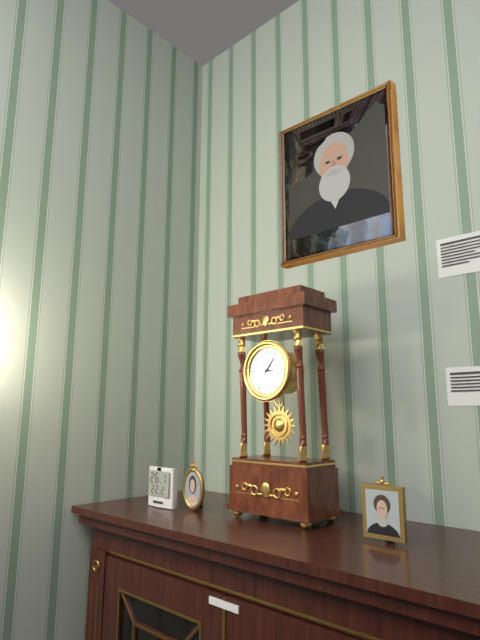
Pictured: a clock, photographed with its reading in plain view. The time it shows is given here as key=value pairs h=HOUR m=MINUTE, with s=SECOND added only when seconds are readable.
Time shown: h=3 m=6
